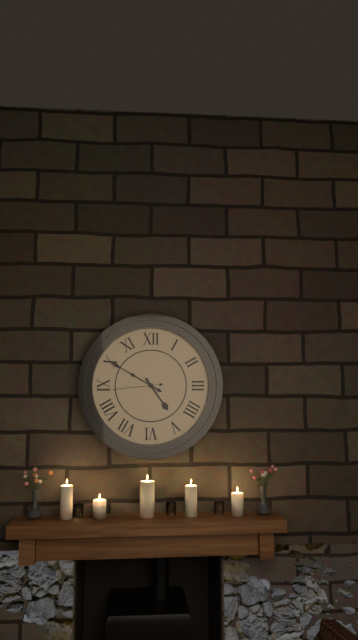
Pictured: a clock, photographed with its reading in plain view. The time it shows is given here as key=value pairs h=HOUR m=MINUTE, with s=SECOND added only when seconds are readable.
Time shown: h=4 m=50 s=44
